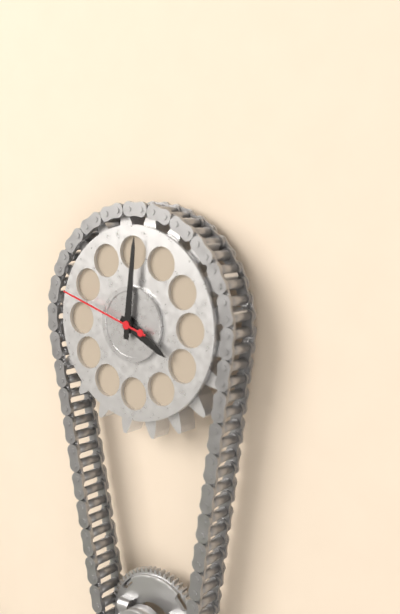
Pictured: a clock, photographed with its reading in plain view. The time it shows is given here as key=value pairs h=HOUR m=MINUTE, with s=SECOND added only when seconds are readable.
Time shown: h=4 m=1 s=48
